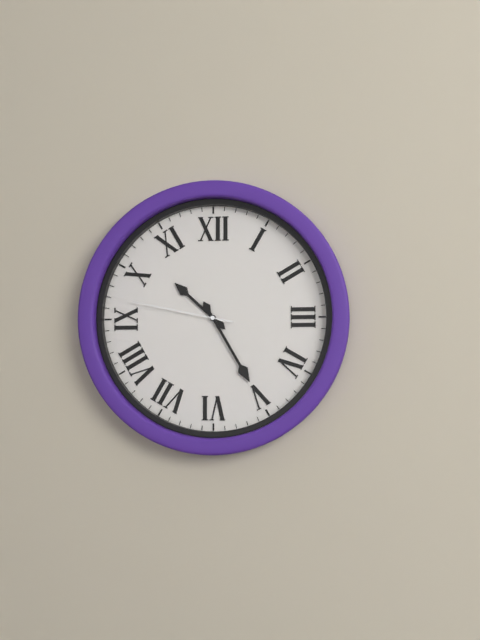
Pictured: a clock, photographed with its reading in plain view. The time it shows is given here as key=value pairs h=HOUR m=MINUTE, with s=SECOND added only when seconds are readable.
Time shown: h=10 m=25 s=47
